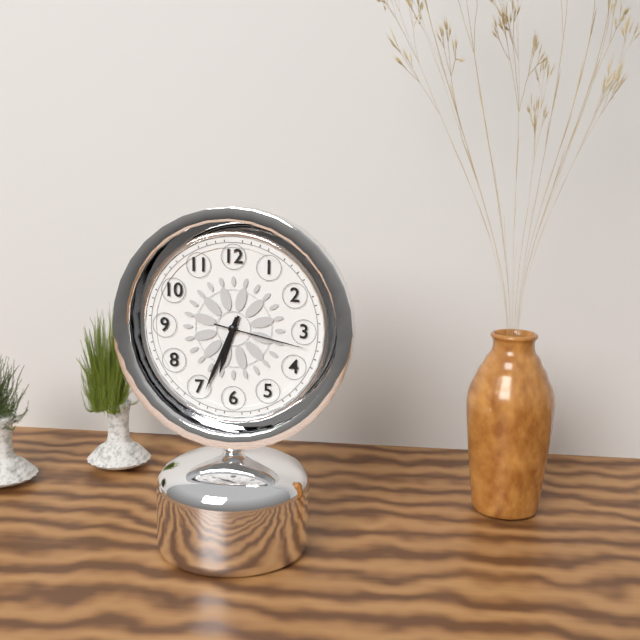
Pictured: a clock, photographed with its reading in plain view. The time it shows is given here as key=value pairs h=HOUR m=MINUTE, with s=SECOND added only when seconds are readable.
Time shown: h=6 m=34 s=17
